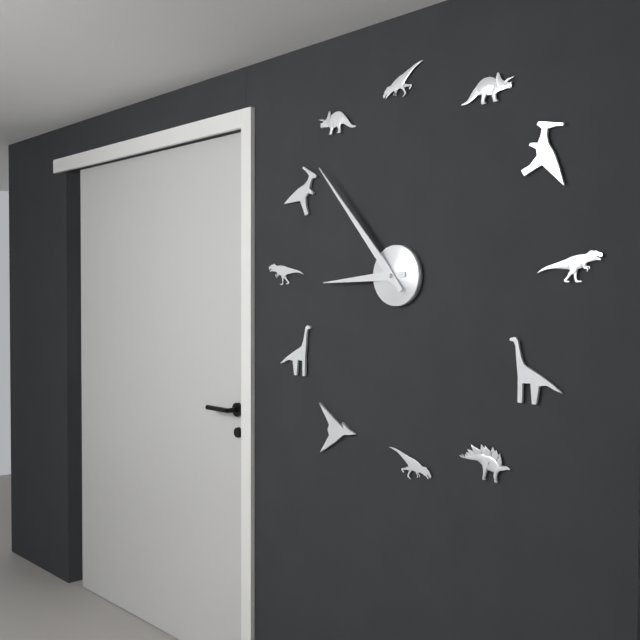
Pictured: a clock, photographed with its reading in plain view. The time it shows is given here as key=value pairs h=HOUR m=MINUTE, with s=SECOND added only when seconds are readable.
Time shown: h=8 m=53
